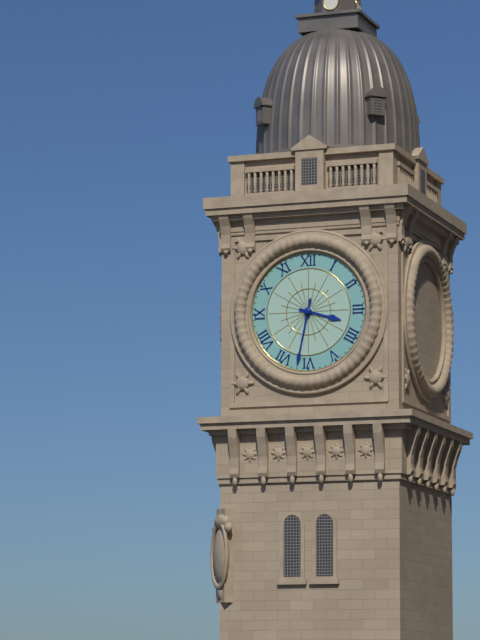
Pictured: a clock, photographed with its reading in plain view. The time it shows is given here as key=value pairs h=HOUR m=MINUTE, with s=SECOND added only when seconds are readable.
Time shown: h=3 m=32
